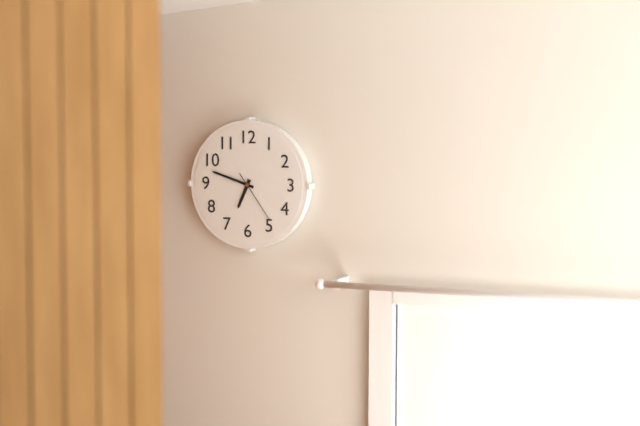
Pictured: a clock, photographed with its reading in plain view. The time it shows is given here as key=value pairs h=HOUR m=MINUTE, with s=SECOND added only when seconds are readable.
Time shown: h=6 m=48 s=24
